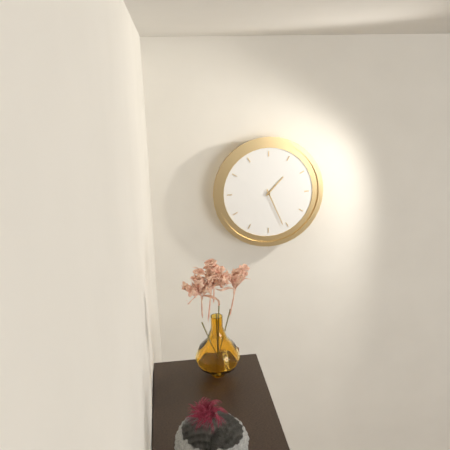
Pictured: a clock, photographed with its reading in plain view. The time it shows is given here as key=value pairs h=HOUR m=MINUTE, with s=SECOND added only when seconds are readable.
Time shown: h=1 m=26
